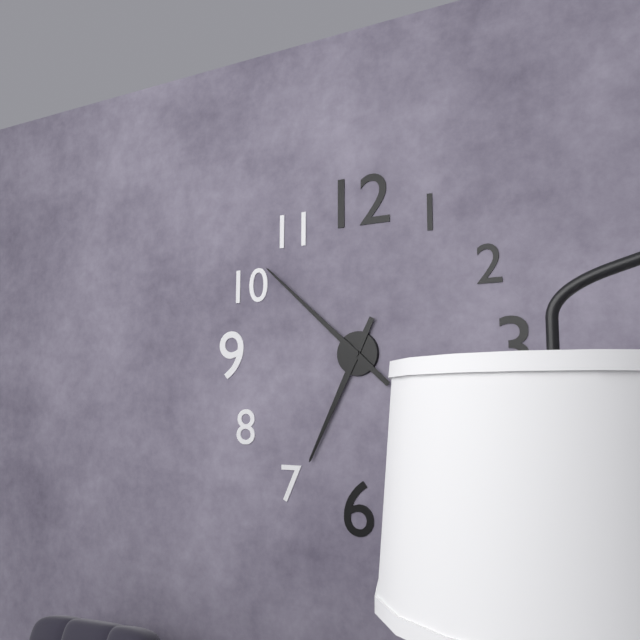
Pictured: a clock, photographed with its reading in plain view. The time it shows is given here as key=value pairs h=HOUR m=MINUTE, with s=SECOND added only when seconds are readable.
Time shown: h=6 m=52
